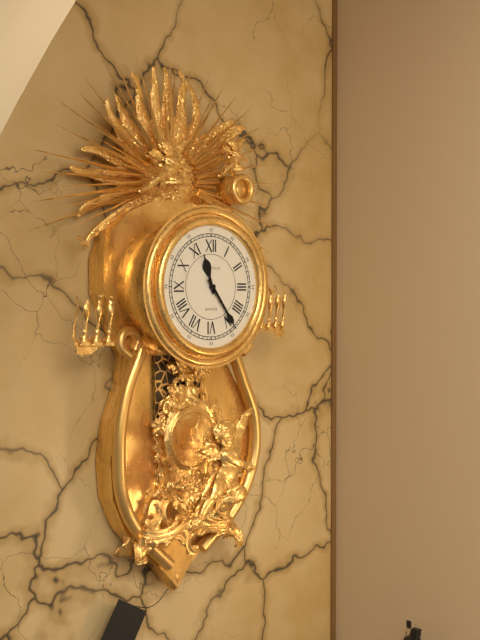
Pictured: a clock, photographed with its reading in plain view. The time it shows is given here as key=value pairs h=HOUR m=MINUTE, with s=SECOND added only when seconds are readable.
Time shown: h=11 m=24
